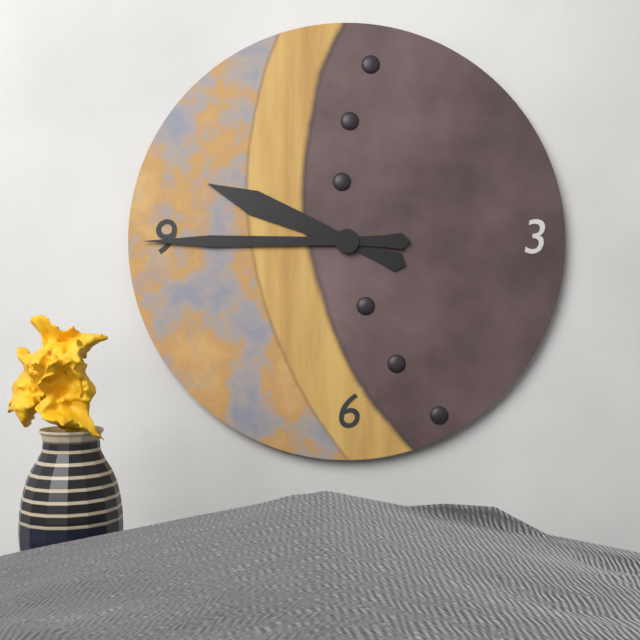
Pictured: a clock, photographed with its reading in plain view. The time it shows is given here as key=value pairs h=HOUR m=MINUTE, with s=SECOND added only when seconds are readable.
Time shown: h=9 m=45
